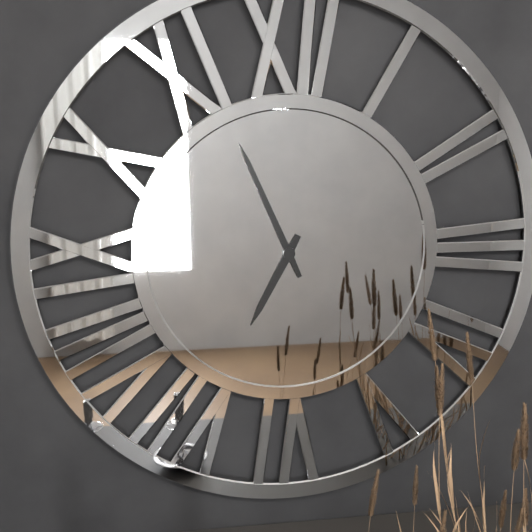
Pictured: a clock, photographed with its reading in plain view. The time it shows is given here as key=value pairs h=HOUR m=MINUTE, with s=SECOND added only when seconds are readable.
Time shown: h=6 m=56
